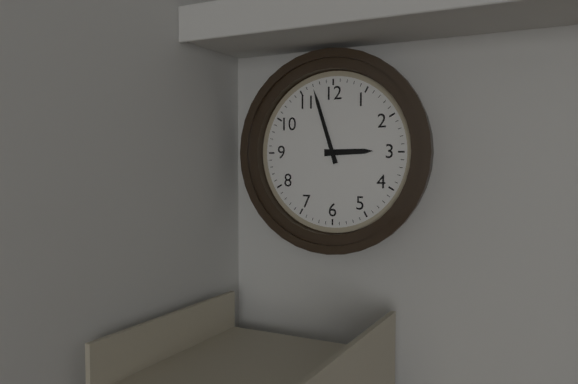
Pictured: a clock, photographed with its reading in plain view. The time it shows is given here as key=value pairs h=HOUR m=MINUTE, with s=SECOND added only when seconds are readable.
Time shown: h=2 m=57
